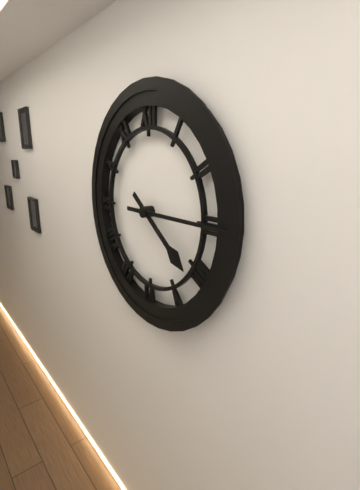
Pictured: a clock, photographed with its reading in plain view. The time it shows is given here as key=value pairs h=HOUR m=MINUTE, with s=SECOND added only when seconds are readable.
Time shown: h=4 m=15
